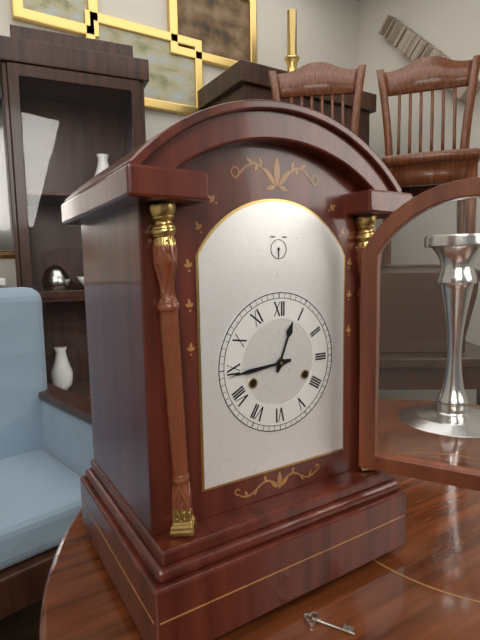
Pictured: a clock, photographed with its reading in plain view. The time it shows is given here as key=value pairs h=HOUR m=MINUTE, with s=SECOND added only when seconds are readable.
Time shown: h=12 m=44
